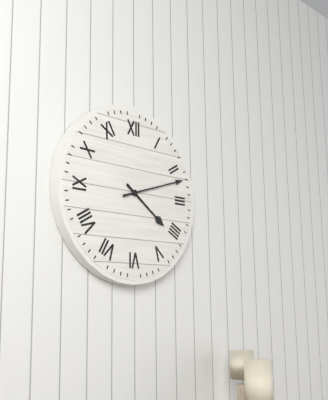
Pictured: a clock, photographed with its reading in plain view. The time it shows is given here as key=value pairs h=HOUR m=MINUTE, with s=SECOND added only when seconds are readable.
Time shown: h=4 m=12
